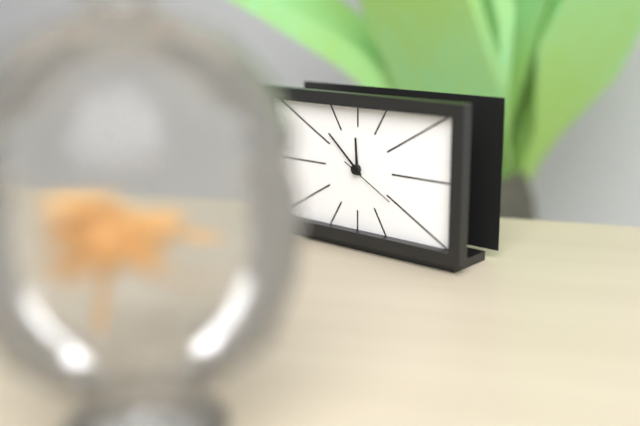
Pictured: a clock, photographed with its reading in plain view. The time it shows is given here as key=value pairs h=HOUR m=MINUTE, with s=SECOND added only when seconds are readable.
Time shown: h=11 m=52 s=20
